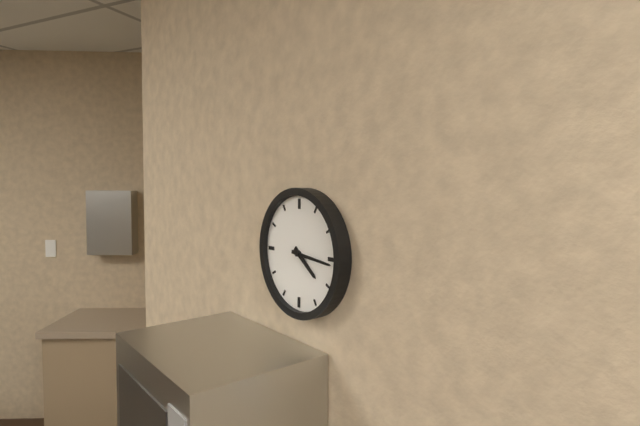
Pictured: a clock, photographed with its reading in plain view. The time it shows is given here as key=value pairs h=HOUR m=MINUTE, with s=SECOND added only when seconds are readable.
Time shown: h=4 m=16
